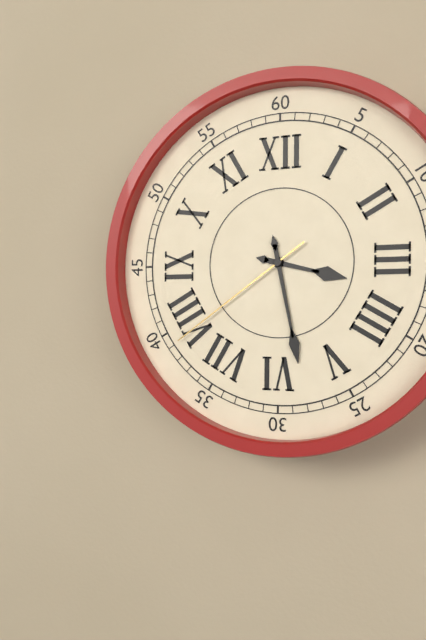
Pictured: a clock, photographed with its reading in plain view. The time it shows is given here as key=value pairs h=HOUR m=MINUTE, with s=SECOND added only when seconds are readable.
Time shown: h=3 m=28 s=39
